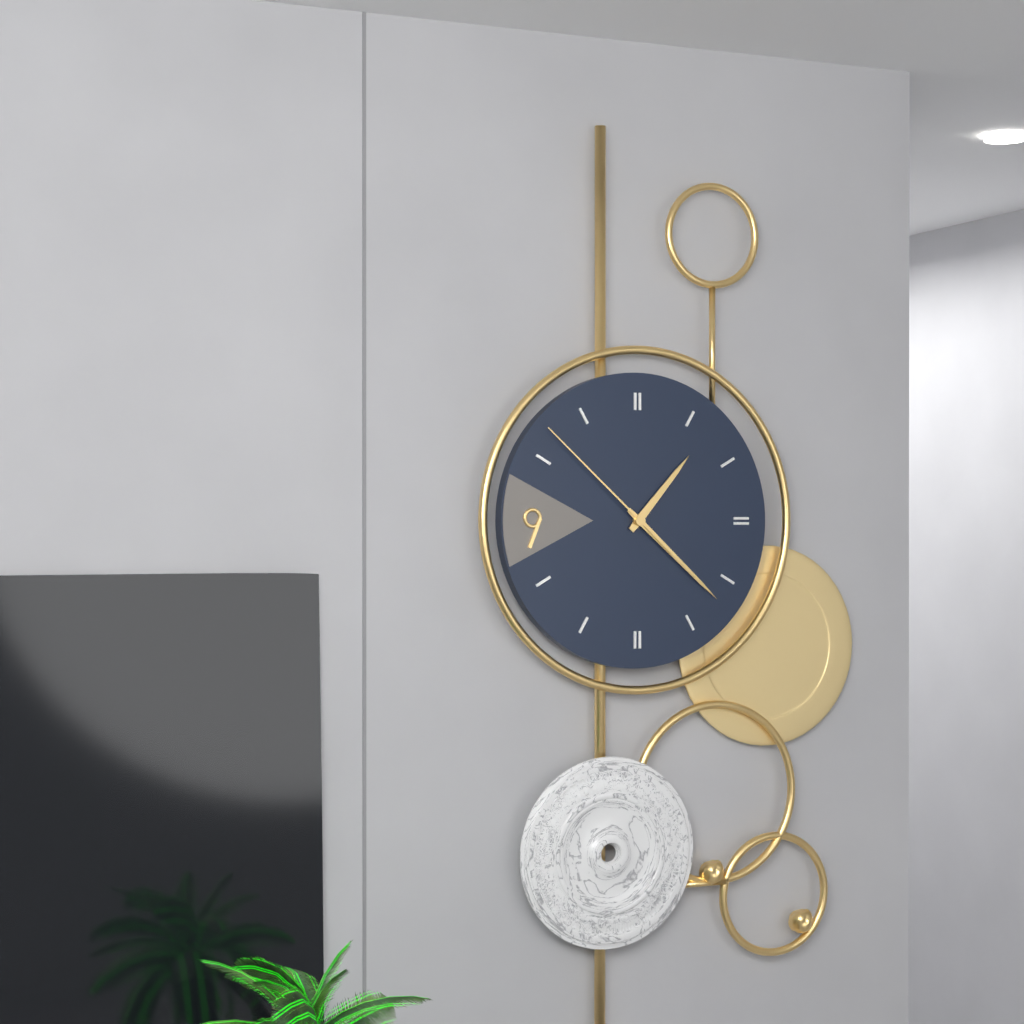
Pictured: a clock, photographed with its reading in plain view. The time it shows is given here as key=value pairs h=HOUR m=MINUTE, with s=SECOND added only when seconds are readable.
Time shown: h=1 m=22 s=52
